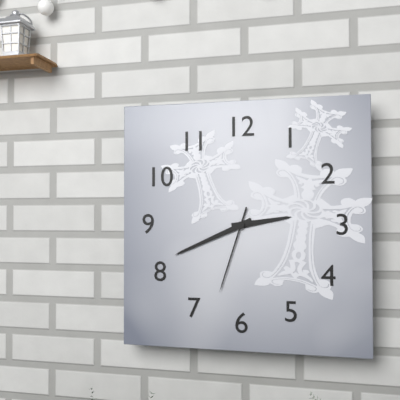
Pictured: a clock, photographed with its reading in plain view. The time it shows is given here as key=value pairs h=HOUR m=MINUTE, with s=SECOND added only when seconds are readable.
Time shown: h=2 m=41 s=33
